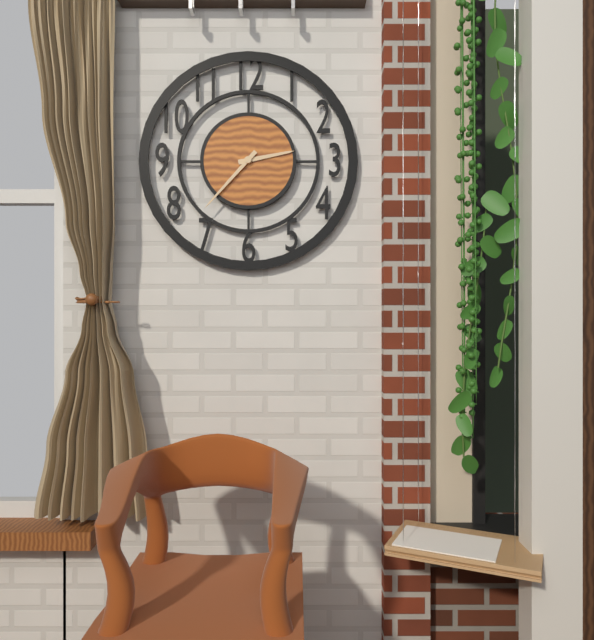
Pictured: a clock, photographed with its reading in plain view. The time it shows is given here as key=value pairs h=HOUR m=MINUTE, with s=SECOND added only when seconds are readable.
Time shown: h=2 m=37
